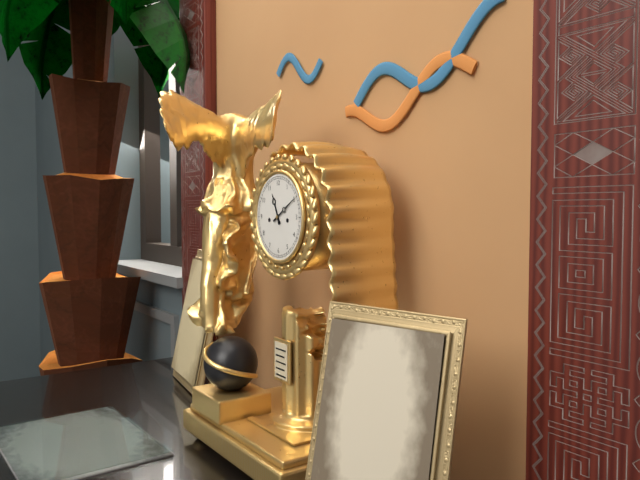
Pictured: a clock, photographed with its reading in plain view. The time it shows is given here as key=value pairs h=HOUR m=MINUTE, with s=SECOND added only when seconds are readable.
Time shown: h=11 m=10
